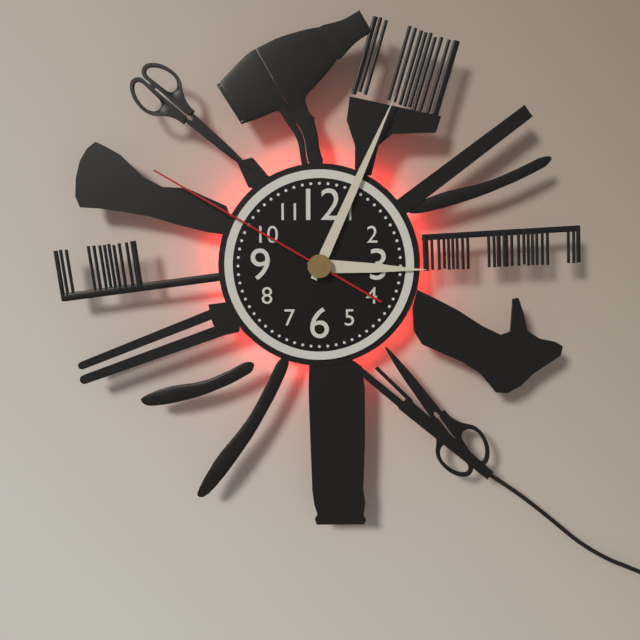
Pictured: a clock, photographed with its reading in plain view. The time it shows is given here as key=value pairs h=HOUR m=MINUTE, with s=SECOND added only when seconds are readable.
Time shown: h=3 m=4 s=50
